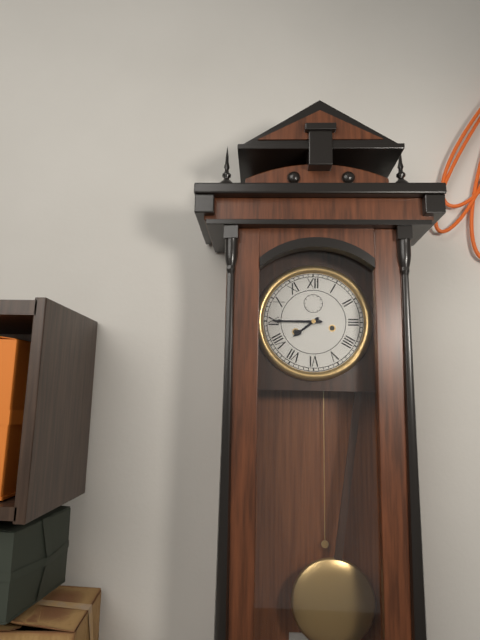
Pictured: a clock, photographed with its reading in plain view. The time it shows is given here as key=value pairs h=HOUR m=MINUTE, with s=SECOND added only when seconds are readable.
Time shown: h=7 m=45
